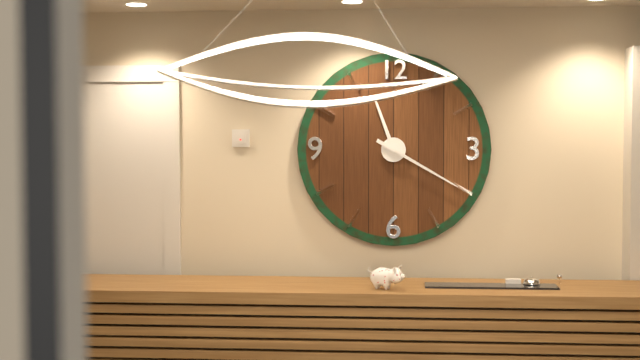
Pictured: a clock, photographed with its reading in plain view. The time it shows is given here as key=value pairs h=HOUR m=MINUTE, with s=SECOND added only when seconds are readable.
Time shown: h=11 m=20
